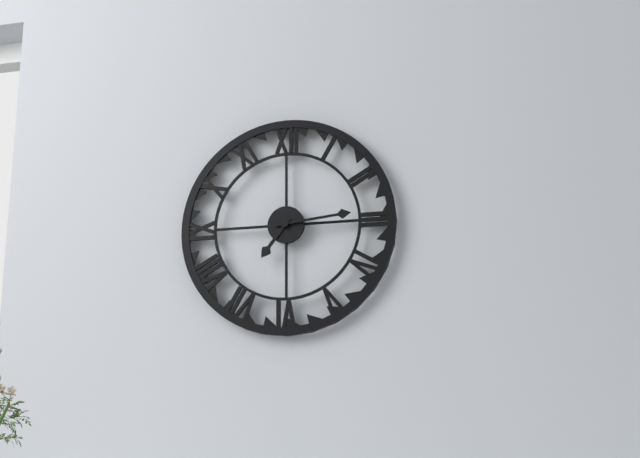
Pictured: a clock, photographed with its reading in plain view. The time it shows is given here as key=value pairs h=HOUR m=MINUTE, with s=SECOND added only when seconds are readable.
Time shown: h=7 m=14
